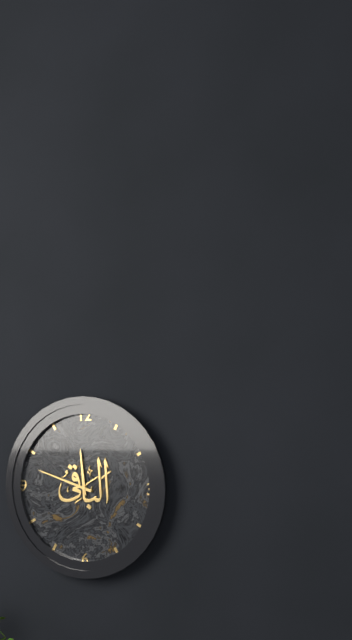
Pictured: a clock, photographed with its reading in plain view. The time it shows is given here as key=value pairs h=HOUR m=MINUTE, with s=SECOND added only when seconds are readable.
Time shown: h=11 m=48
